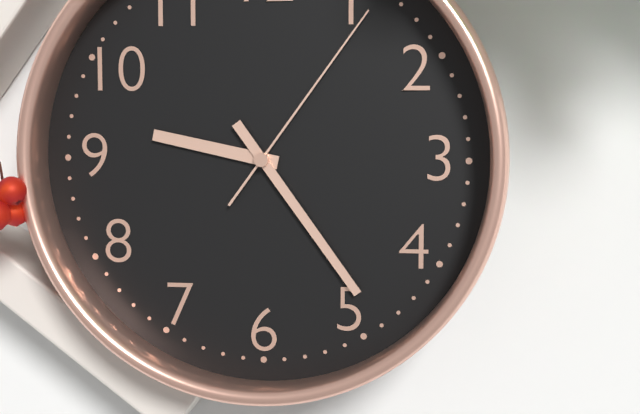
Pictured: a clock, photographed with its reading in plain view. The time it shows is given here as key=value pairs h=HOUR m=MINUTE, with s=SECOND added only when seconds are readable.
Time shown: h=9 m=24 s=6
